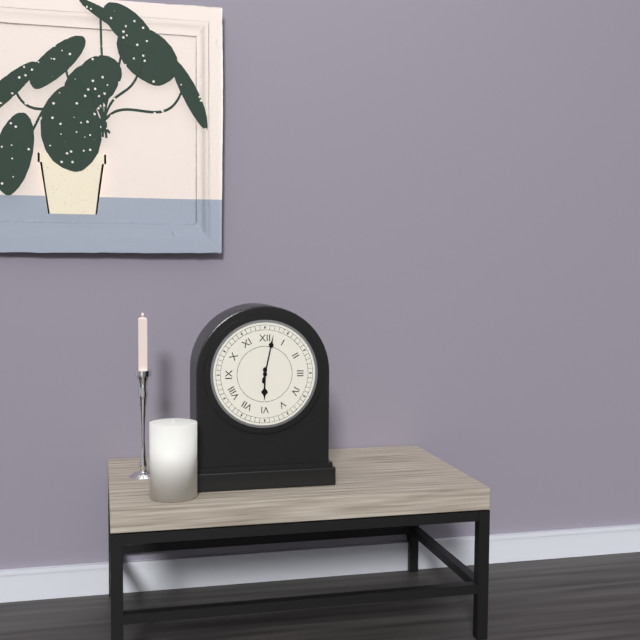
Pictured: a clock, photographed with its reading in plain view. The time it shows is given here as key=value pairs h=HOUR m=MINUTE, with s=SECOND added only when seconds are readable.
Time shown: h=6 m=2
